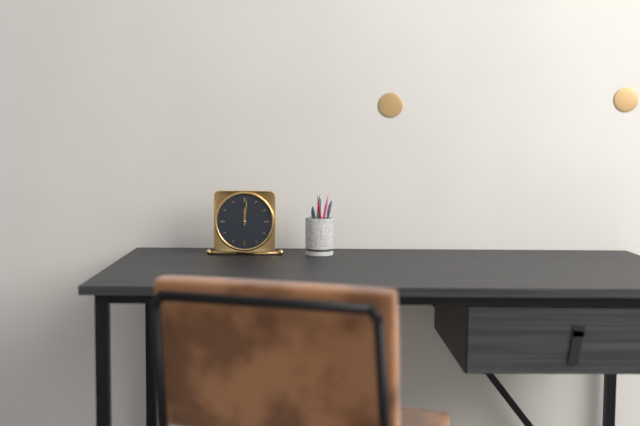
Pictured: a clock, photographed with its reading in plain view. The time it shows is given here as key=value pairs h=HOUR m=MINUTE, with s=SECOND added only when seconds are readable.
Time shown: h=12 m=1
